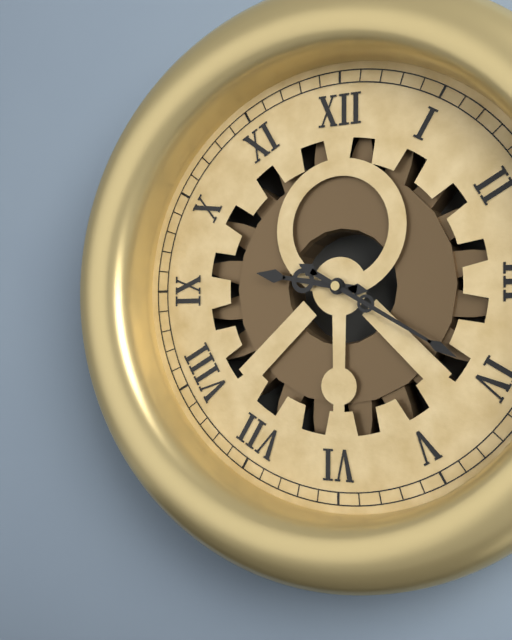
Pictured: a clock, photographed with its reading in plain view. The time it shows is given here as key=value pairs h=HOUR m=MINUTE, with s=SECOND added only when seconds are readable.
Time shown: h=9 m=20
